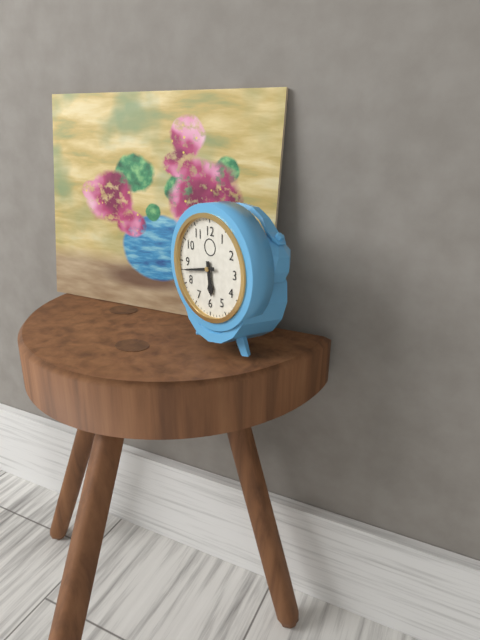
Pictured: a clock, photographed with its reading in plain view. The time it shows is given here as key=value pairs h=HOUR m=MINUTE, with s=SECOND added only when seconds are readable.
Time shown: h=5 m=43
